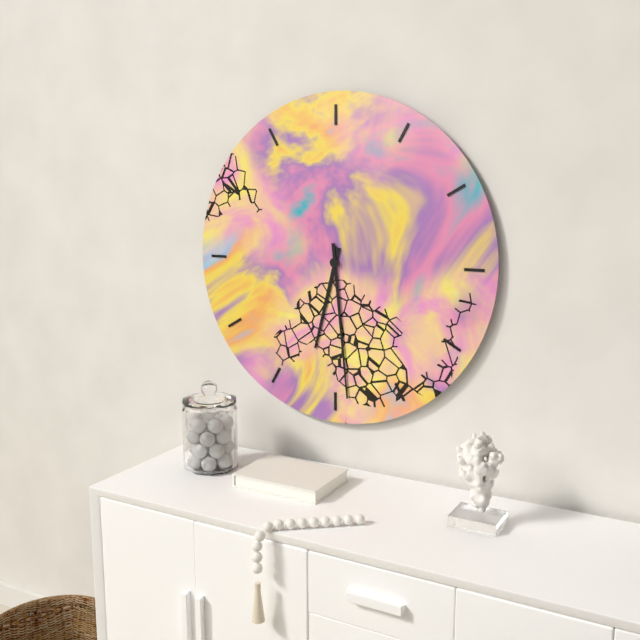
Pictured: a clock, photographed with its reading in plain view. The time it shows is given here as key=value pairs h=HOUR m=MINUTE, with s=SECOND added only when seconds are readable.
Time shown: h=6 m=29
